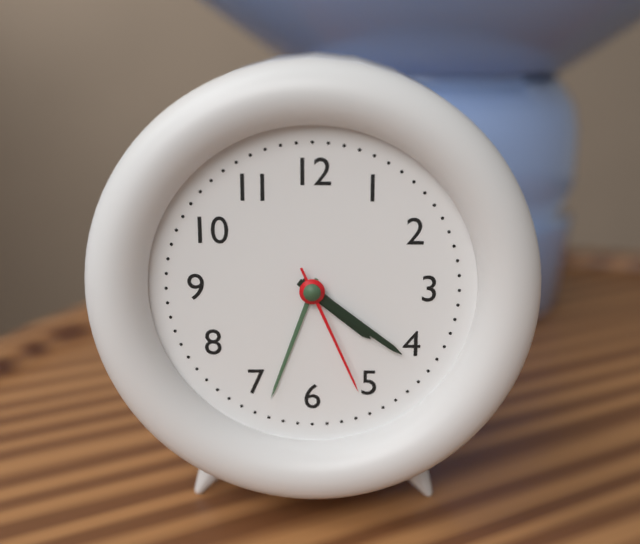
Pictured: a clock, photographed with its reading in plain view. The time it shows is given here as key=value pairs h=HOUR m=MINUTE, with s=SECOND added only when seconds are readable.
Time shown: h=4 m=21 s=26
